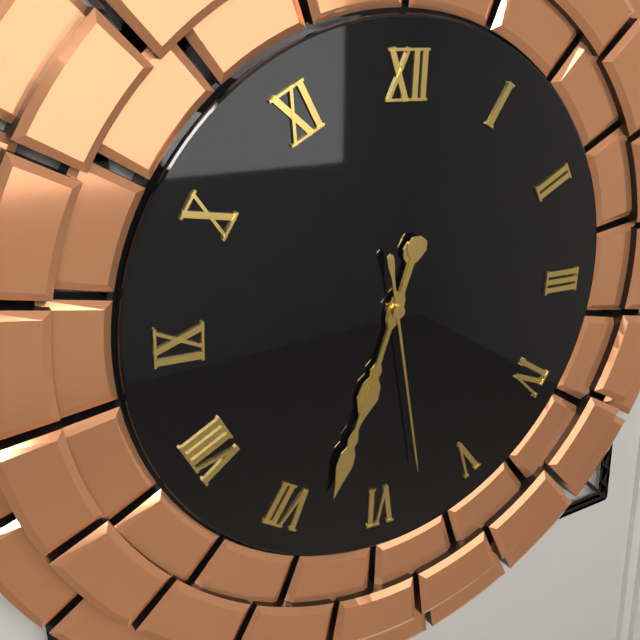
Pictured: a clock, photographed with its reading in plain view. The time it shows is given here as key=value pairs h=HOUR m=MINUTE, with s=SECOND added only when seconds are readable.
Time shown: h=6 m=33 s=28
